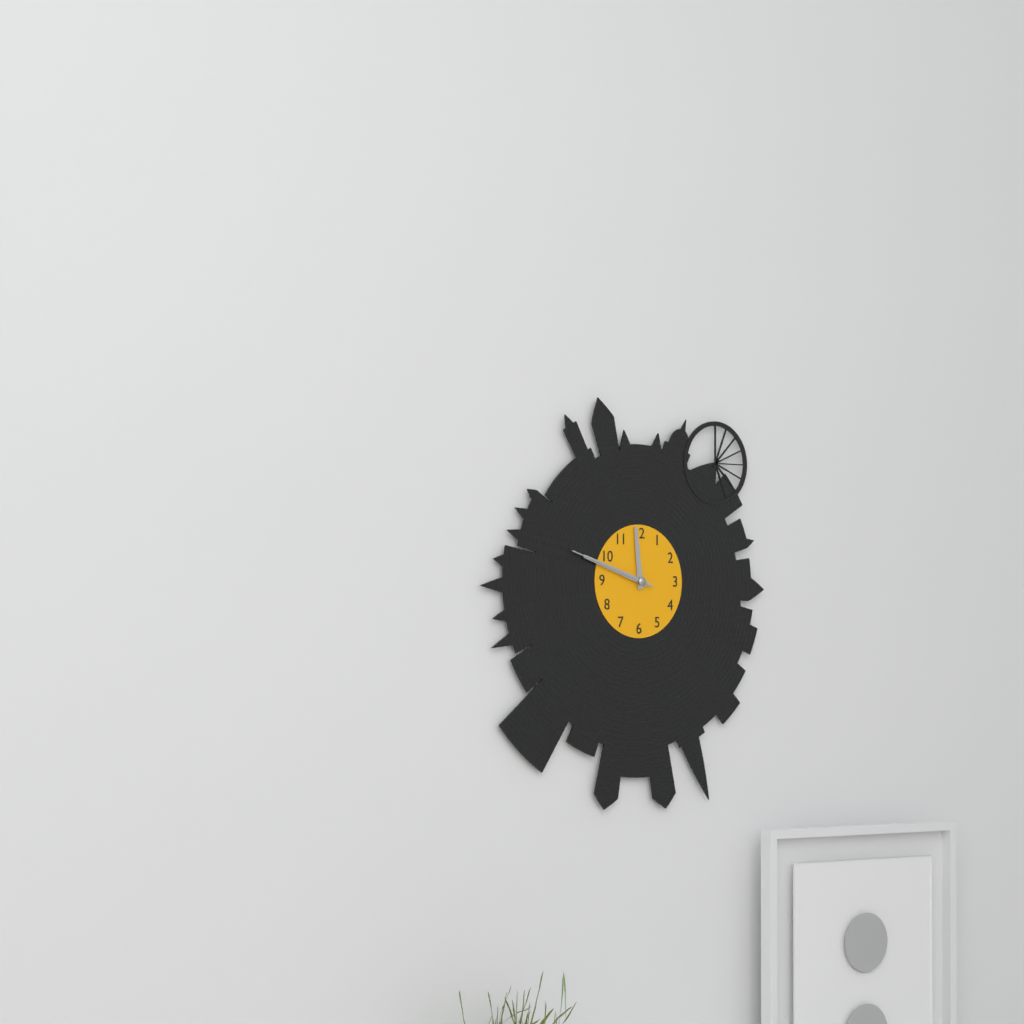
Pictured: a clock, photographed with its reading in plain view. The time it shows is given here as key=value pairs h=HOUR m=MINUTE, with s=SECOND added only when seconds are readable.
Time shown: h=11 m=48 s=48
